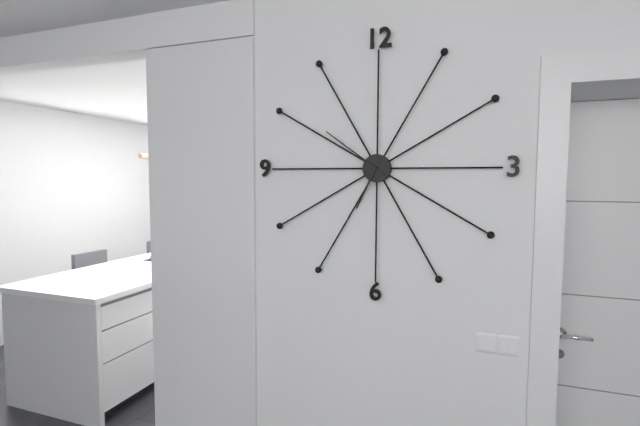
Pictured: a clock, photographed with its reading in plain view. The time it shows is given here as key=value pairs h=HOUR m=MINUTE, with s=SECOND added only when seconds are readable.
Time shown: h=6 m=51
